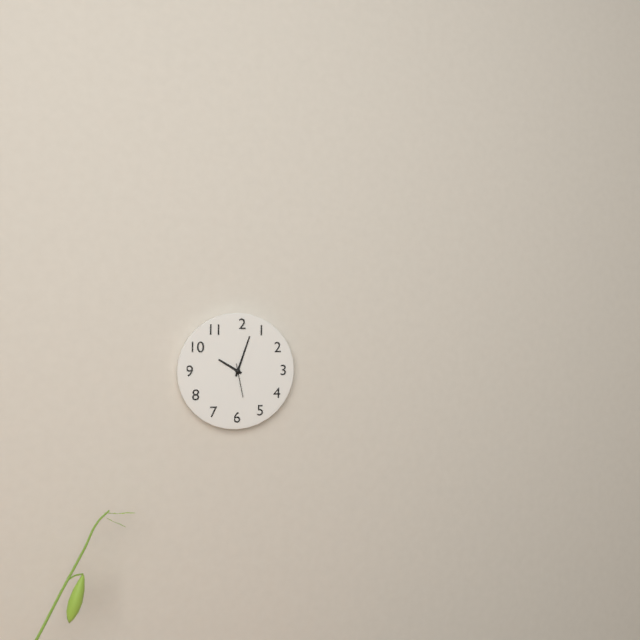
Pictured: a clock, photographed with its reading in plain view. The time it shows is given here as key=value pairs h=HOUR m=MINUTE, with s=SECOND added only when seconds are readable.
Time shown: h=10 m=3
